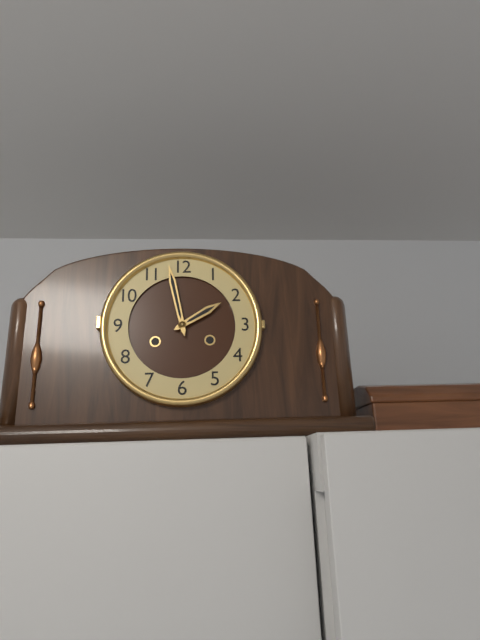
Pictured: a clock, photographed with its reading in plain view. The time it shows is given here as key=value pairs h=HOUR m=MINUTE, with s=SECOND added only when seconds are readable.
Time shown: h=1 m=58
